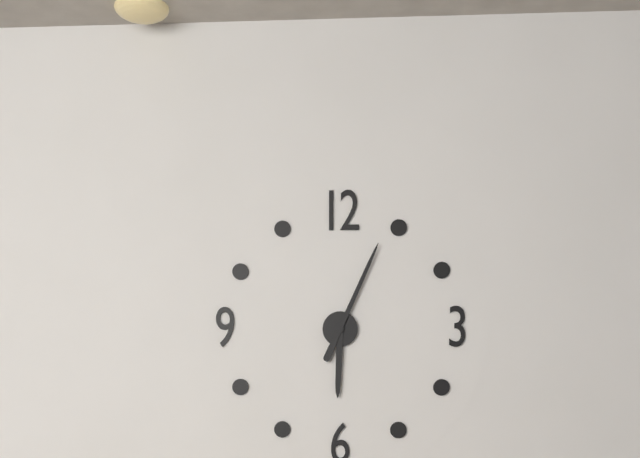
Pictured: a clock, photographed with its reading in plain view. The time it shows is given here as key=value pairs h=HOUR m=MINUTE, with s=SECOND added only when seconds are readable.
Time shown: h=6 m=4
